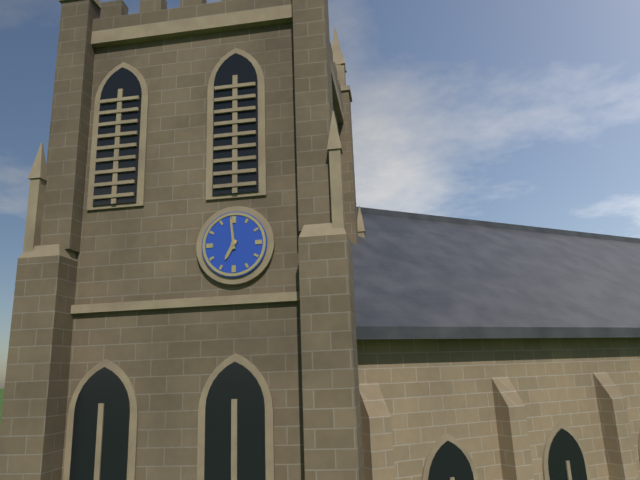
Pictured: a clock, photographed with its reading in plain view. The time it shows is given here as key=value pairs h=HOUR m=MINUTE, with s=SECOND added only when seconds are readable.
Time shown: h=6 m=59
